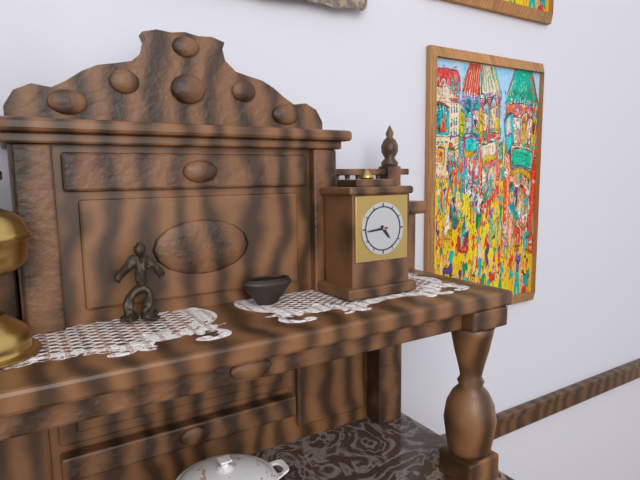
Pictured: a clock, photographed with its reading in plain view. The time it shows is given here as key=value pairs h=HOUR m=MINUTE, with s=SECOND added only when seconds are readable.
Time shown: h=4 m=44
